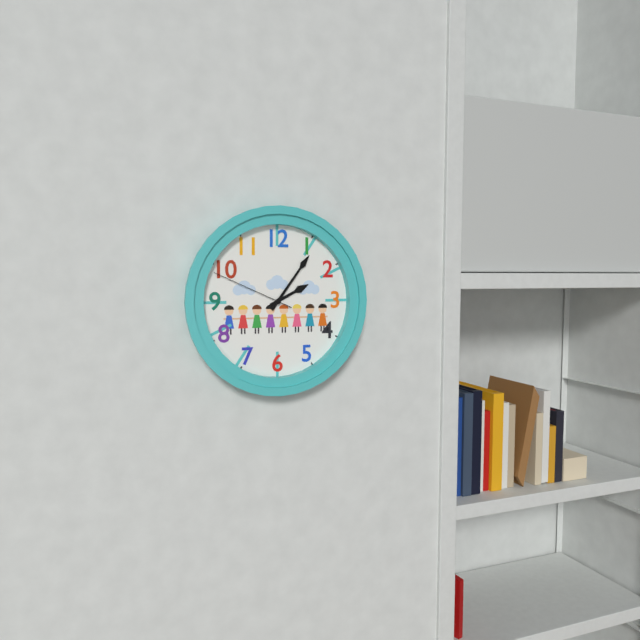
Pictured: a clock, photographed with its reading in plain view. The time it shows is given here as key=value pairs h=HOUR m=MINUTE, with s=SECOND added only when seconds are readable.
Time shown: h=2 m=6 s=49
